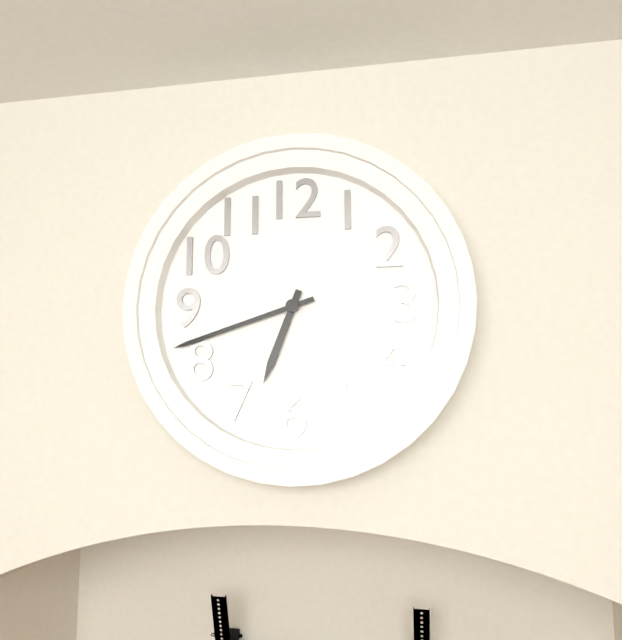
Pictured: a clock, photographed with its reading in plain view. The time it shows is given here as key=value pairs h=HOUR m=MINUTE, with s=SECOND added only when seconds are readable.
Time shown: h=6 m=42
